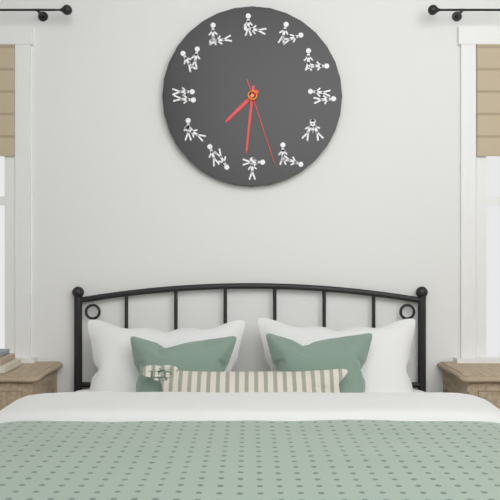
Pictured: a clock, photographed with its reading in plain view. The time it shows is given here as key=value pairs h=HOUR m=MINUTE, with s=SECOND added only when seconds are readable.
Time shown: h=7 m=31 s=27
